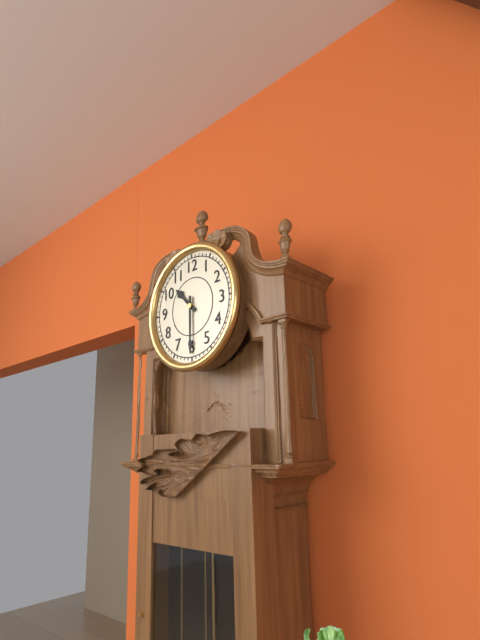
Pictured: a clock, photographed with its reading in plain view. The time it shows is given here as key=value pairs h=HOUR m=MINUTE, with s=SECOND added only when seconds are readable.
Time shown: h=10 m=30
